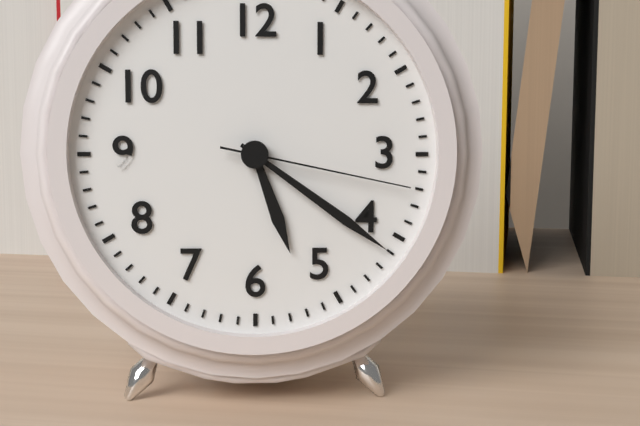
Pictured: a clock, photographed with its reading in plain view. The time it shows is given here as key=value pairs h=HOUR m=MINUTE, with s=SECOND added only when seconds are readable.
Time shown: h=5 m=21 s=17
